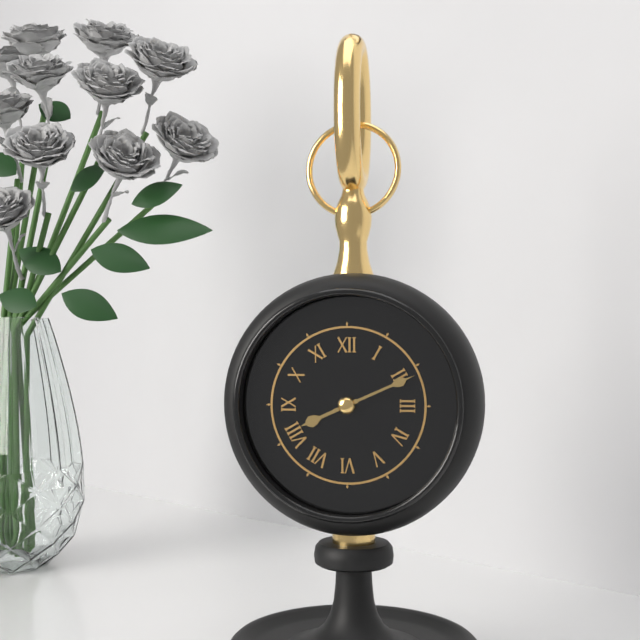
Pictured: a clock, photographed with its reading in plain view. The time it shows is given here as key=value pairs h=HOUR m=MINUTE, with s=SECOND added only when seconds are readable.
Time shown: h=8 m=11
